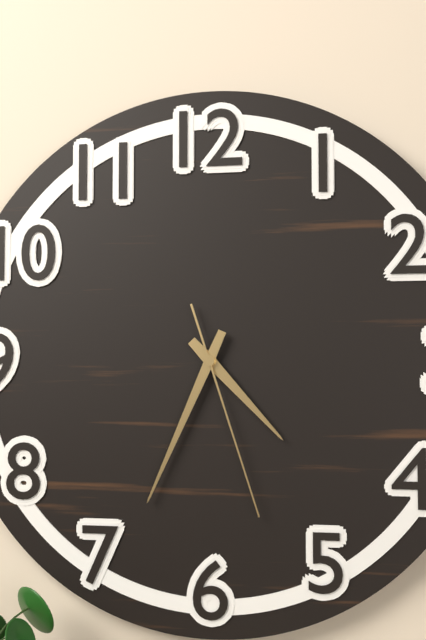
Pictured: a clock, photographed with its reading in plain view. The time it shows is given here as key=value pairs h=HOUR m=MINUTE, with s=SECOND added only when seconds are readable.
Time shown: h=4 m=34 s=27
